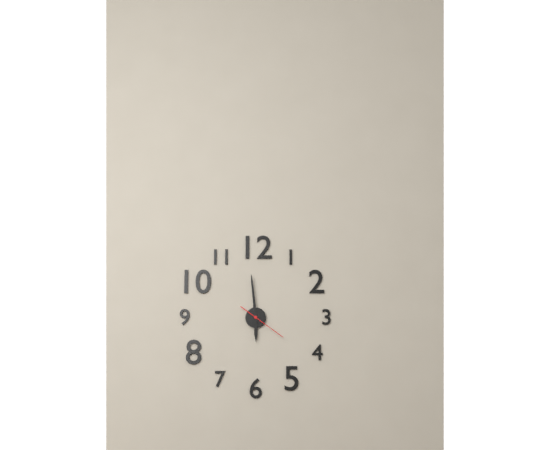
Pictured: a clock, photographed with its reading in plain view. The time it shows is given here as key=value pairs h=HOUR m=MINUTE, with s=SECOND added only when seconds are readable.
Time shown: h=5 m=59
